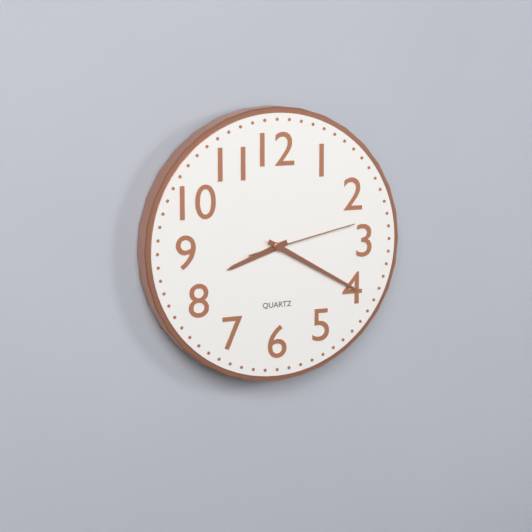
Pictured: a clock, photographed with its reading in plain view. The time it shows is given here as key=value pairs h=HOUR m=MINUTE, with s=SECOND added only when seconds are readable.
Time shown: h=8 m=20 s=13
